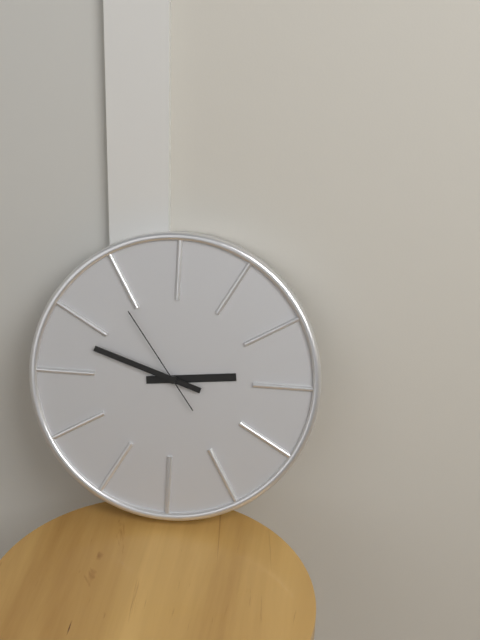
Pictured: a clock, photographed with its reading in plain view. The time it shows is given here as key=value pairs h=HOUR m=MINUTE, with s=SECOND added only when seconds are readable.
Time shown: h=2 m=48 s=54
